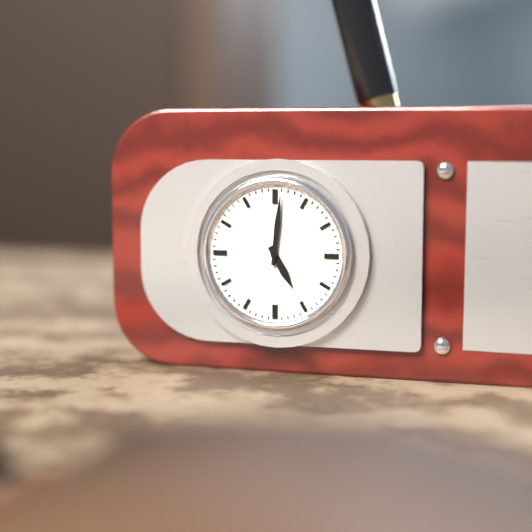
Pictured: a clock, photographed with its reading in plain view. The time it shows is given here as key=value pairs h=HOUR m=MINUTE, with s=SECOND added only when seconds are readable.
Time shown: h=5 m=1
